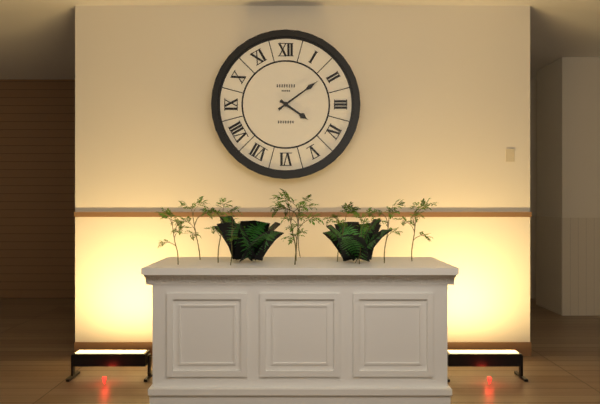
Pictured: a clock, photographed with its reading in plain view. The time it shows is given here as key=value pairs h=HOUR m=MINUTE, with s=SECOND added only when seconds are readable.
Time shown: h=4 m=9
